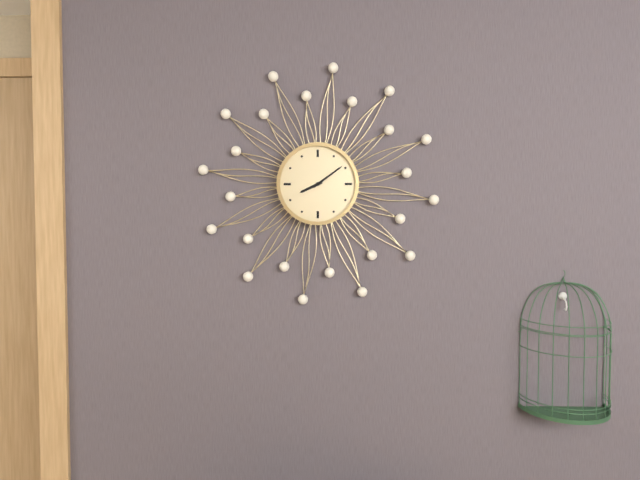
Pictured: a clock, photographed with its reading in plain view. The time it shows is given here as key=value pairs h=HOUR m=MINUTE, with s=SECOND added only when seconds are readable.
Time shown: h=8 m=9
